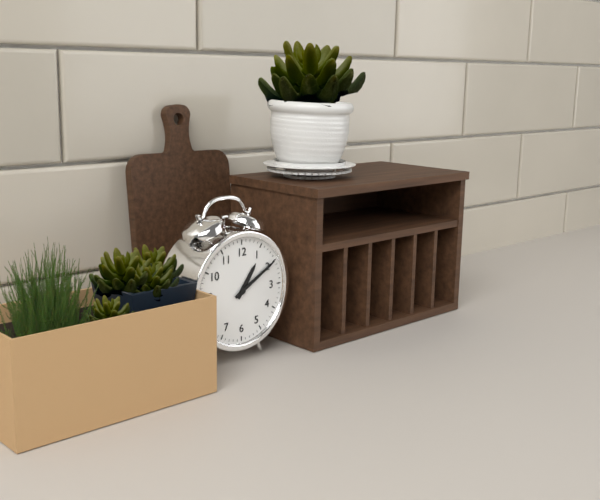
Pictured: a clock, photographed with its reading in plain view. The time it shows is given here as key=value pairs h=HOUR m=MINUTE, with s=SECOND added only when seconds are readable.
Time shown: h=1 m=10
